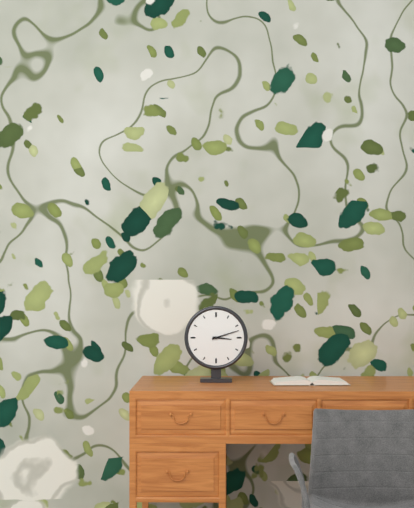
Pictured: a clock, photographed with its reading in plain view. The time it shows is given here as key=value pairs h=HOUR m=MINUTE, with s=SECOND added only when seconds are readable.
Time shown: h=3 m=12
